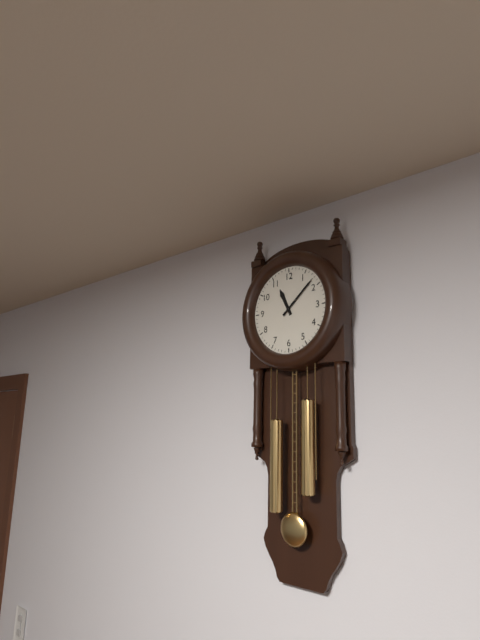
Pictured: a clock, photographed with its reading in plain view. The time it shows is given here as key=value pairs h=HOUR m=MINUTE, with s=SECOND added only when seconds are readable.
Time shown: h=11 m=8
